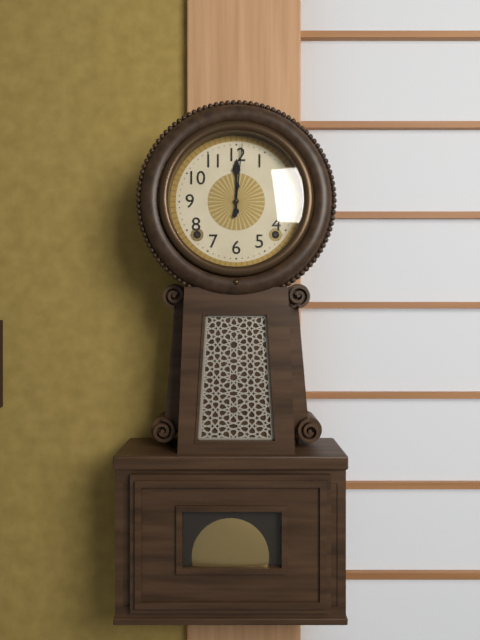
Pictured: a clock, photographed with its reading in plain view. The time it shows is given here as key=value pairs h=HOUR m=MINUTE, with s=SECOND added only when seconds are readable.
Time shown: h=12 m=1
